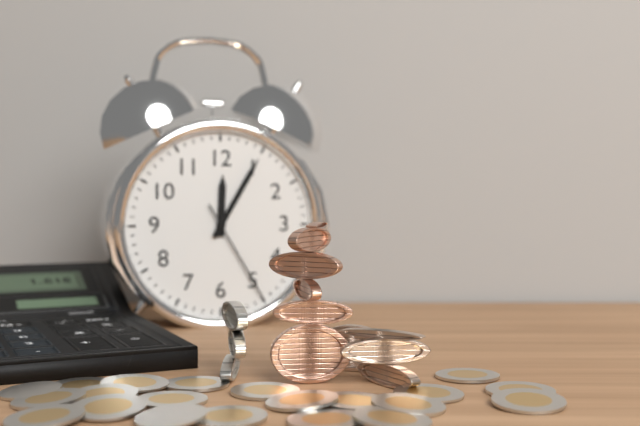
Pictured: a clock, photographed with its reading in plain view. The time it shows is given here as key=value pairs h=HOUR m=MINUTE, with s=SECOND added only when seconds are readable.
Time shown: h=12 m=5 s=25
